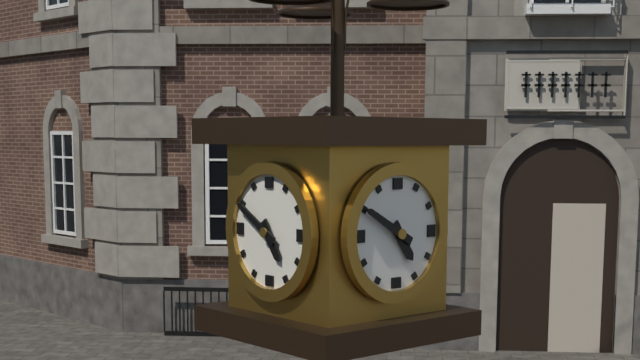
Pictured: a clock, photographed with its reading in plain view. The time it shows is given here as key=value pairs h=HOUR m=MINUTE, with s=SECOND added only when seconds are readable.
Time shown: h=4 m=50
